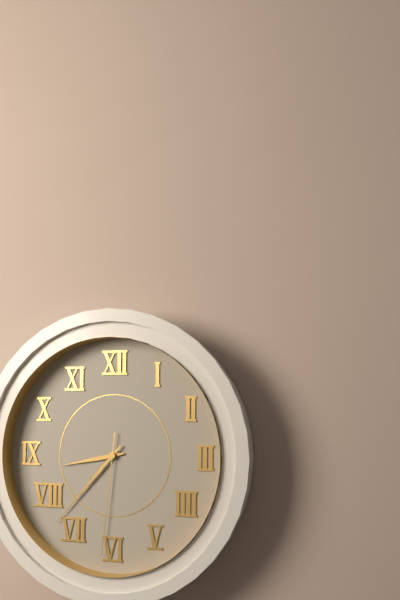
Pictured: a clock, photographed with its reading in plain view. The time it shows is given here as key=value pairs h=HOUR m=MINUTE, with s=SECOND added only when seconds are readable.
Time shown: h=8 m=37 s=31
